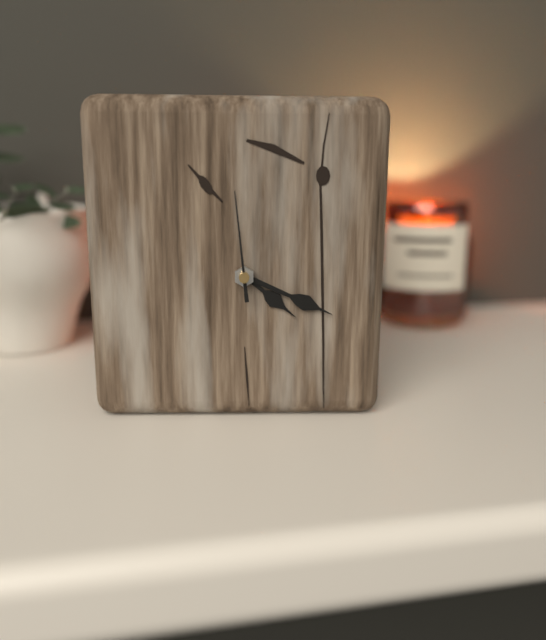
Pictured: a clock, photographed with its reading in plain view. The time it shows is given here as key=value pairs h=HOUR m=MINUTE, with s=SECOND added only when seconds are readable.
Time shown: h=4 m=19 s=59
